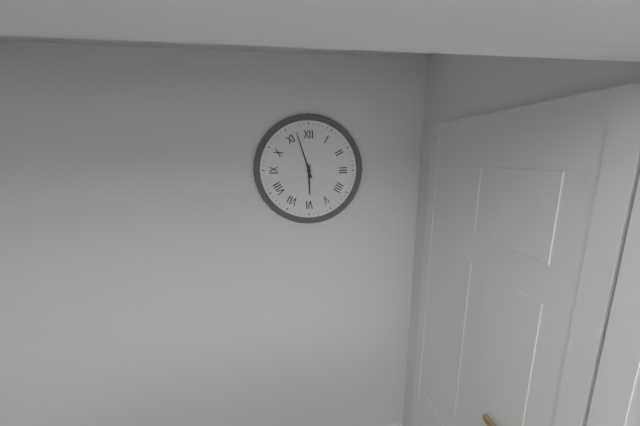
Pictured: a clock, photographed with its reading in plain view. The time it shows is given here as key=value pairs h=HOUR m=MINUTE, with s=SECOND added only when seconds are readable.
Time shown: h=5 m=57
